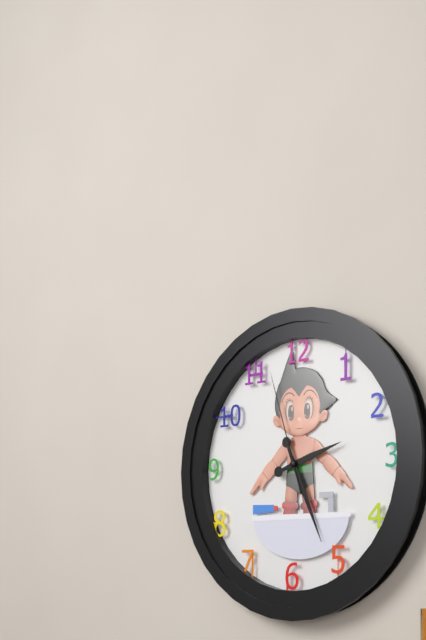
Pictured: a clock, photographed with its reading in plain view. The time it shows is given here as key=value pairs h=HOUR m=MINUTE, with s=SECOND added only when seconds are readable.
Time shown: h=2 m=26 s=57
